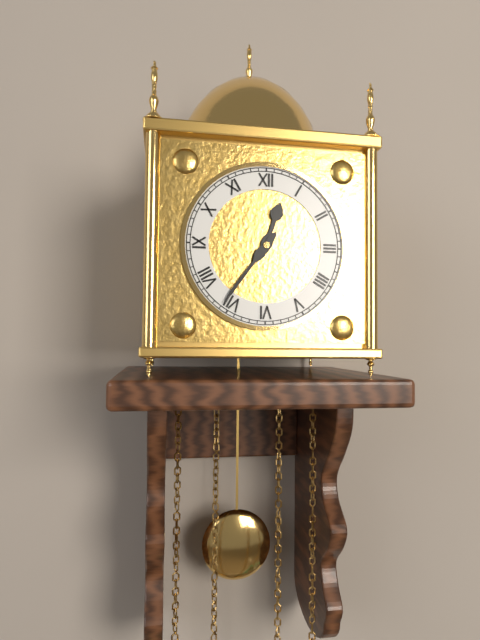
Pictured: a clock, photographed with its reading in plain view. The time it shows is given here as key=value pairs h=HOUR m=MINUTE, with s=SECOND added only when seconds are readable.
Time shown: h=12 m=36
